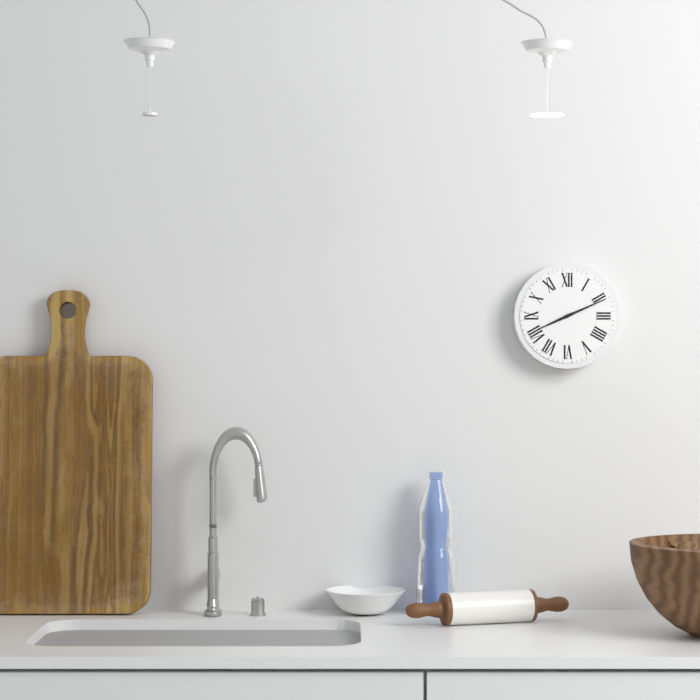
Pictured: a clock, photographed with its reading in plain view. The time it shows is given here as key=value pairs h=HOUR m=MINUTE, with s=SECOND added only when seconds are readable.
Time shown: h=8 m=11
